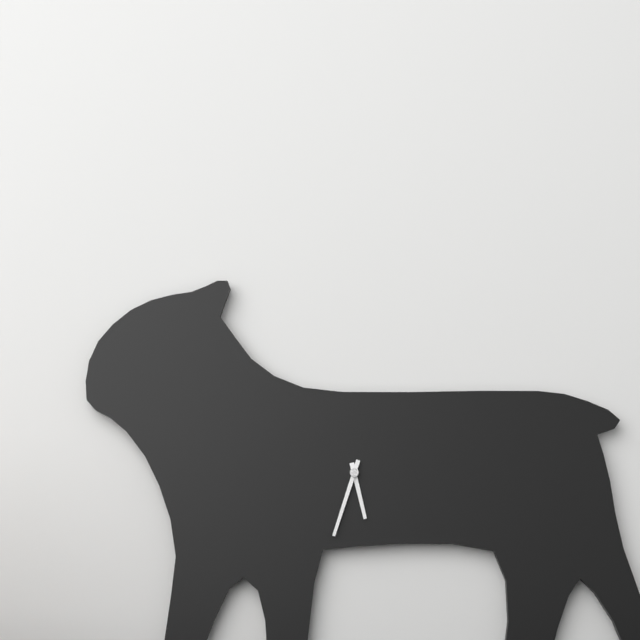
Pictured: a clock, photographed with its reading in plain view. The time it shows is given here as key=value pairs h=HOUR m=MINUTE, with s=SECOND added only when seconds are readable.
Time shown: h=5 m=33
